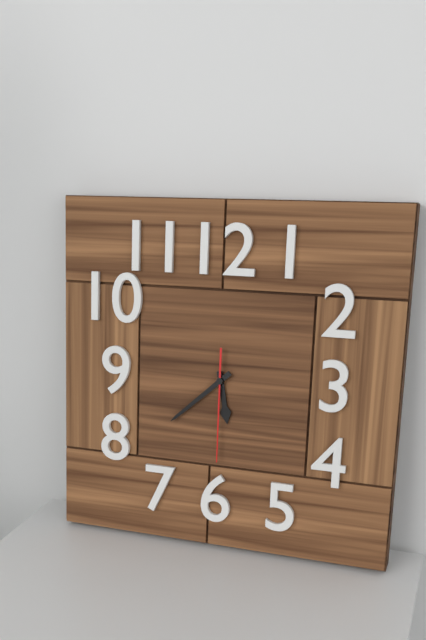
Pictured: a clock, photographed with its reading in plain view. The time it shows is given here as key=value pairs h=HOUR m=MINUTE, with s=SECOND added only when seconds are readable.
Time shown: h=5 m=38 s=30
